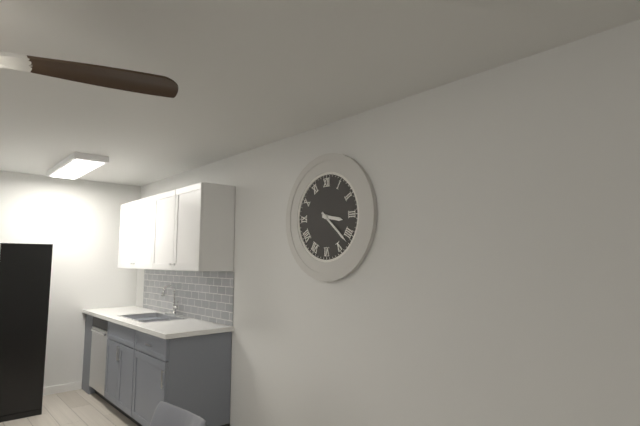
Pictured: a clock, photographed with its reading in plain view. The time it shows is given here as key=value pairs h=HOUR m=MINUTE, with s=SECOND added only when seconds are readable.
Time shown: h=3 m=22
